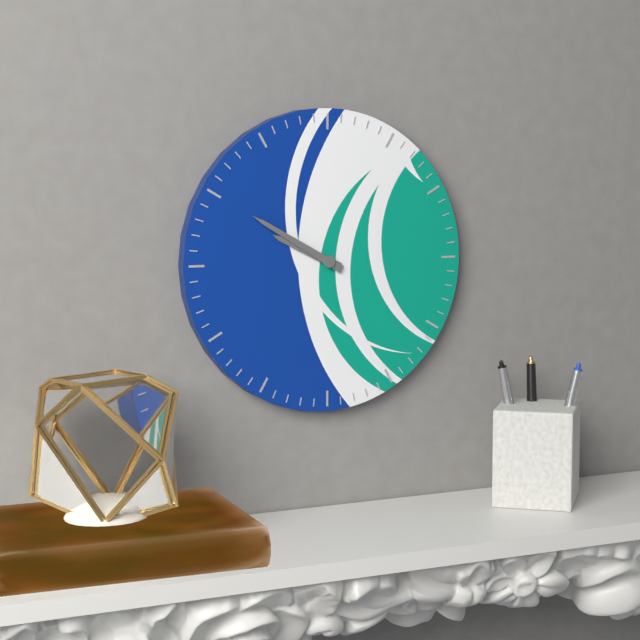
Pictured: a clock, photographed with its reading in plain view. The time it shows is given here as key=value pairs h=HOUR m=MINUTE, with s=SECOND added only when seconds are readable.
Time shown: h=9 m=50
